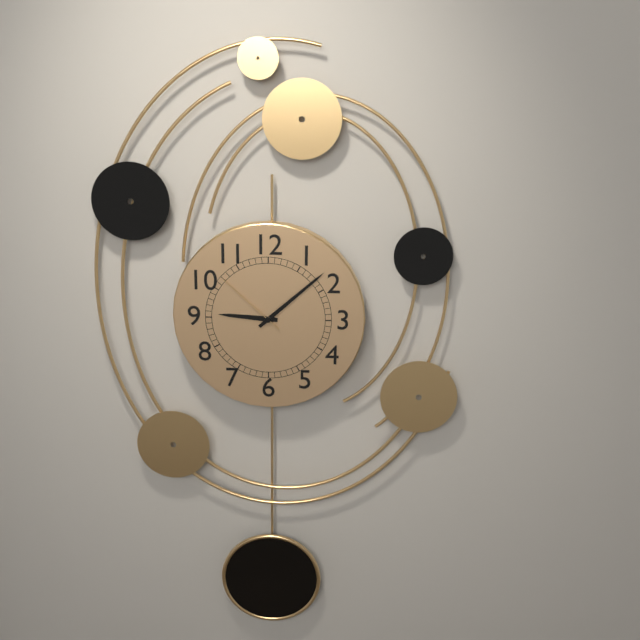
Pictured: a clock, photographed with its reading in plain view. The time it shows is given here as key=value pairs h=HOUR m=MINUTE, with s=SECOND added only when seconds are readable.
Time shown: h=9 m=8 s=52
